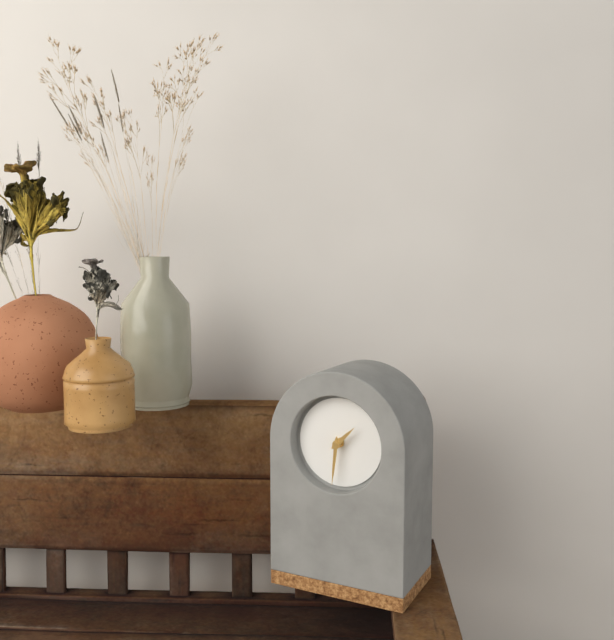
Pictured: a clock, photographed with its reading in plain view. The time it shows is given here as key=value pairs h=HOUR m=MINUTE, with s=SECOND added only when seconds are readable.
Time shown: h=1 m=31
